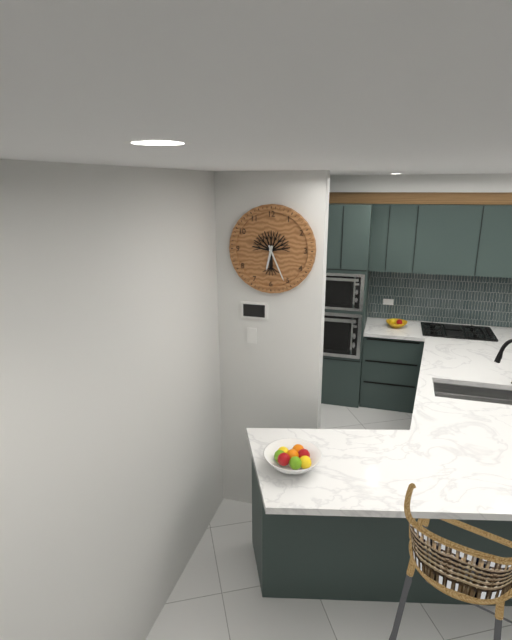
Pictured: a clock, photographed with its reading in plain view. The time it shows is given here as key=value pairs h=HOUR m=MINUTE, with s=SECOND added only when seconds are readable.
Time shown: h=6 m=26
